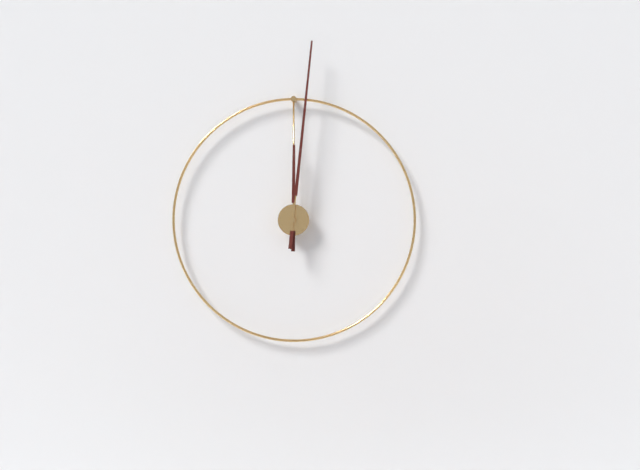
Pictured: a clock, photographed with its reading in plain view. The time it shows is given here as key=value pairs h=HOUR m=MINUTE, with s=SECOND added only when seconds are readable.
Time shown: h=12 m=1
